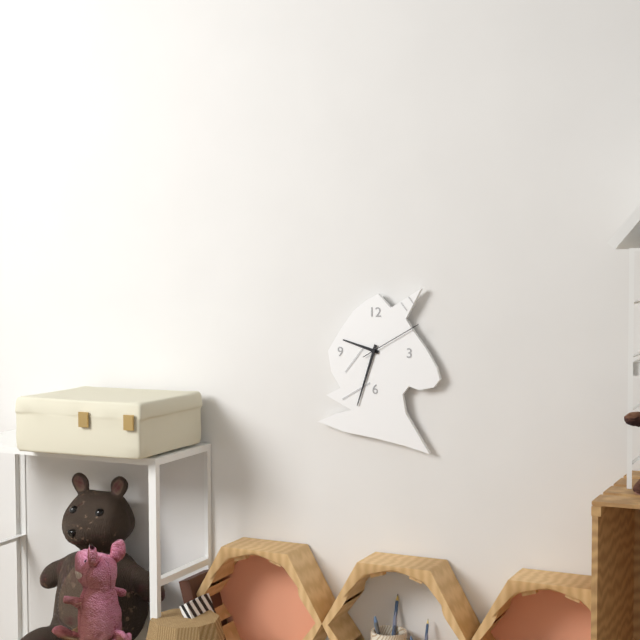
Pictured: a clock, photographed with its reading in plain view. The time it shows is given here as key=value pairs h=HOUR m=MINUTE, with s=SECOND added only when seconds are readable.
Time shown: h=9 m=33 s=10
